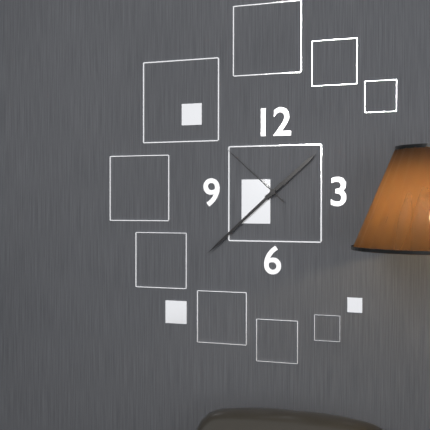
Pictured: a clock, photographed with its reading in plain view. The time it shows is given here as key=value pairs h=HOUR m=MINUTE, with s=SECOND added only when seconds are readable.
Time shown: h=1 m=38 s=52
